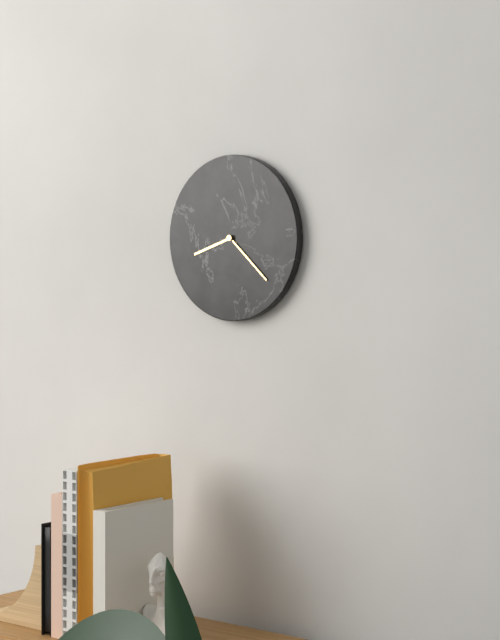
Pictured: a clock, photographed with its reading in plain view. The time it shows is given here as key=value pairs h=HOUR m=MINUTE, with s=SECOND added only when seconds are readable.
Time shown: h=8 m=22
